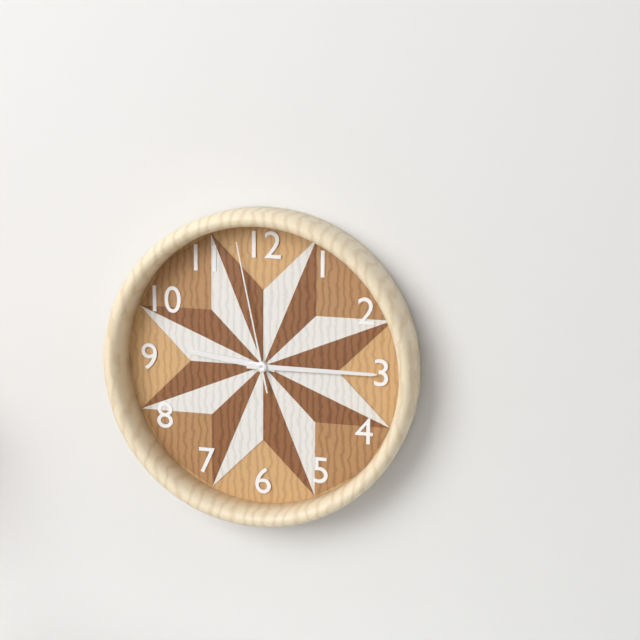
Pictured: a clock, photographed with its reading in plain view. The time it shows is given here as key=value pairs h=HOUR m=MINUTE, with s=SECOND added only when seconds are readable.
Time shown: h=9 m=15 s=58
